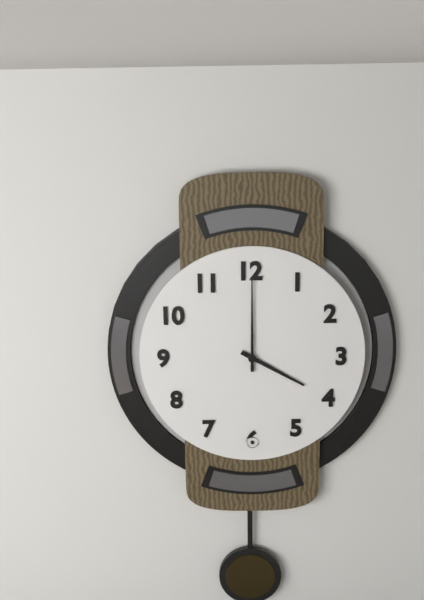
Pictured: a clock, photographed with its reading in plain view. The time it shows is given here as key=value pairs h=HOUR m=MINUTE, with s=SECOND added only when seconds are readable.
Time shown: h=4 m=0
